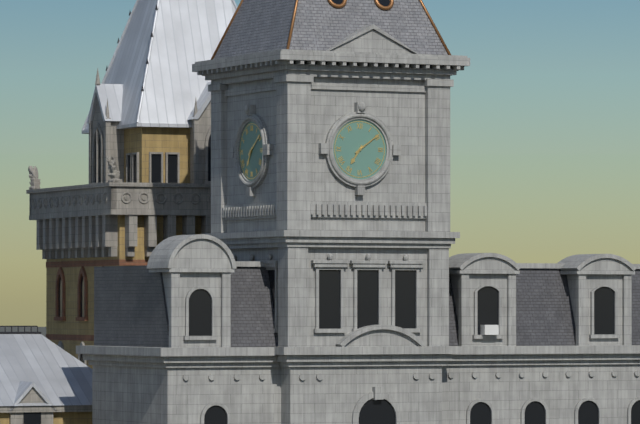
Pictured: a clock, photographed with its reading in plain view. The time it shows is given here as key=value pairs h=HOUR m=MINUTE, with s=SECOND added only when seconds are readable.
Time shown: h=7 m=9
